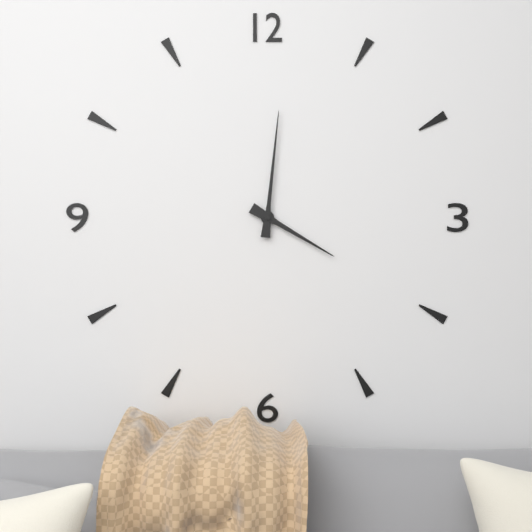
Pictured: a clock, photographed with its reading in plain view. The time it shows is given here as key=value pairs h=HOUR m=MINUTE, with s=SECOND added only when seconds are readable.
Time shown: h=4 m=1
